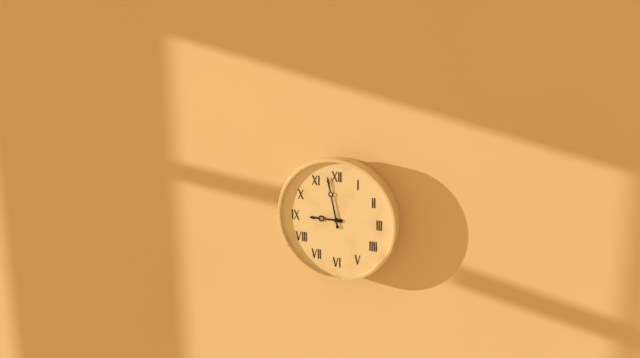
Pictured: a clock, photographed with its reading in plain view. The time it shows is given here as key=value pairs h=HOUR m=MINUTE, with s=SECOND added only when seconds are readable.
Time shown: h=8 m=58
